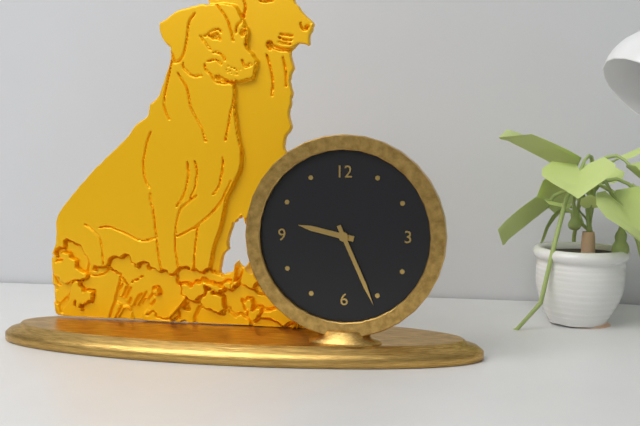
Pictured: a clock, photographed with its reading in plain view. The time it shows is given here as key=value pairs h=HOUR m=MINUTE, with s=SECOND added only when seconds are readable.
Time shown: h=9 m=26
